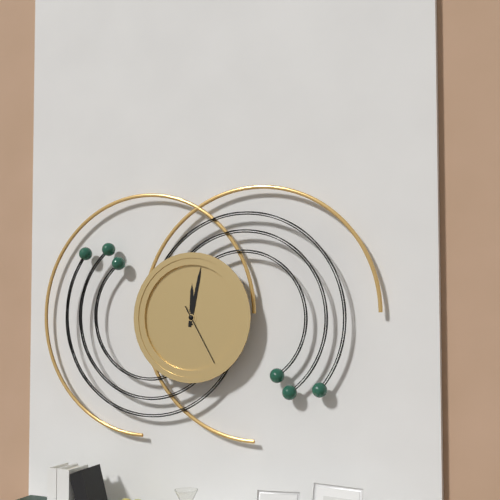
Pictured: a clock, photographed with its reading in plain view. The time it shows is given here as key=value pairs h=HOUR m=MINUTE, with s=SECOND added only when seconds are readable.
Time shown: h=12 m=2 s=25
